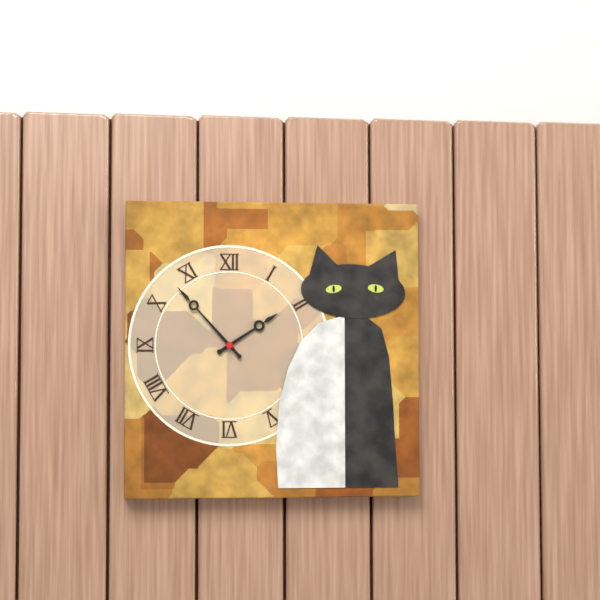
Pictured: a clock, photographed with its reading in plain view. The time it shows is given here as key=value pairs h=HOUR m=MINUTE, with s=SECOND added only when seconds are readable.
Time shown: h=1 m=53
